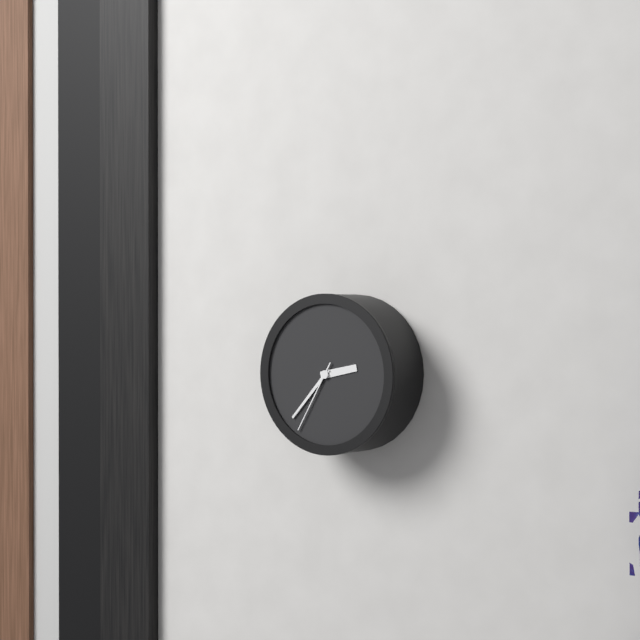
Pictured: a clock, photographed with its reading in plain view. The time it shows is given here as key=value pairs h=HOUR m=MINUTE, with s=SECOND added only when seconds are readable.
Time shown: h=2 m=37 s=35
